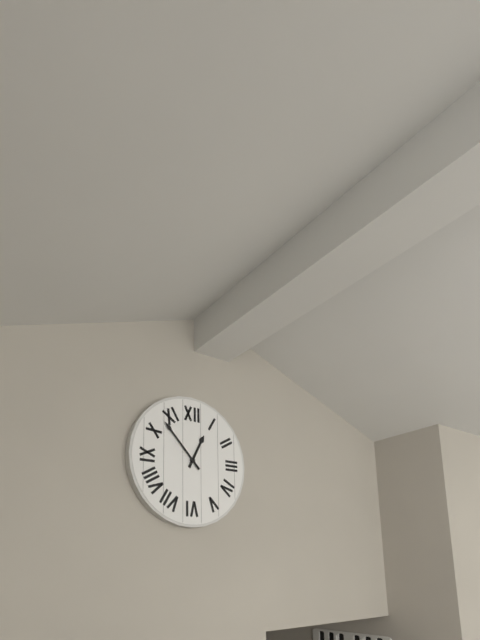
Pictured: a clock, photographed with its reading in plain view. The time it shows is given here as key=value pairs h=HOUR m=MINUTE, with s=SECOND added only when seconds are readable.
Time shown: h=12 m=53
